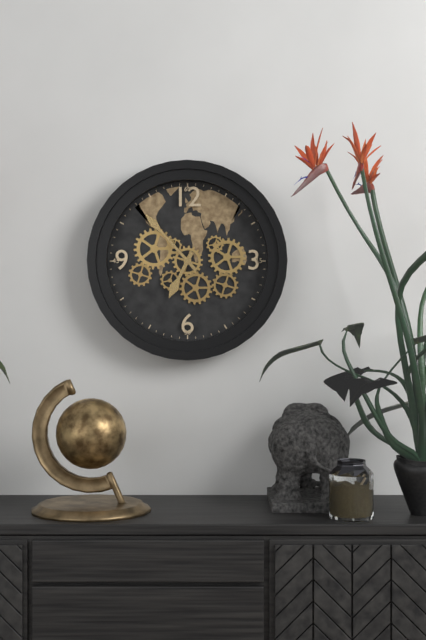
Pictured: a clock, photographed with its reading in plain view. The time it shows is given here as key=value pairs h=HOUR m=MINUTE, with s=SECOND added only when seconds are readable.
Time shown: h=6 m=53
